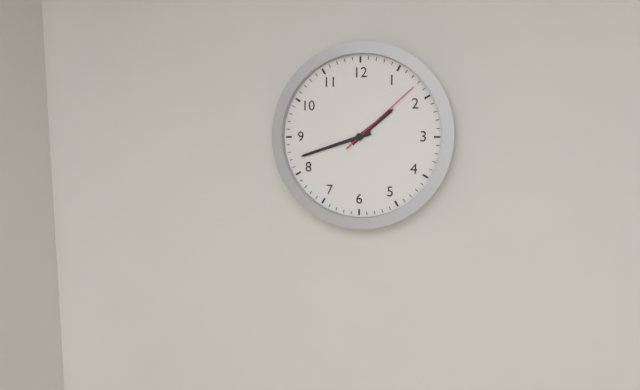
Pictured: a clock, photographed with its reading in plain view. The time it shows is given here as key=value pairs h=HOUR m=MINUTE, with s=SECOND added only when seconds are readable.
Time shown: h=1 m=42 s=8
